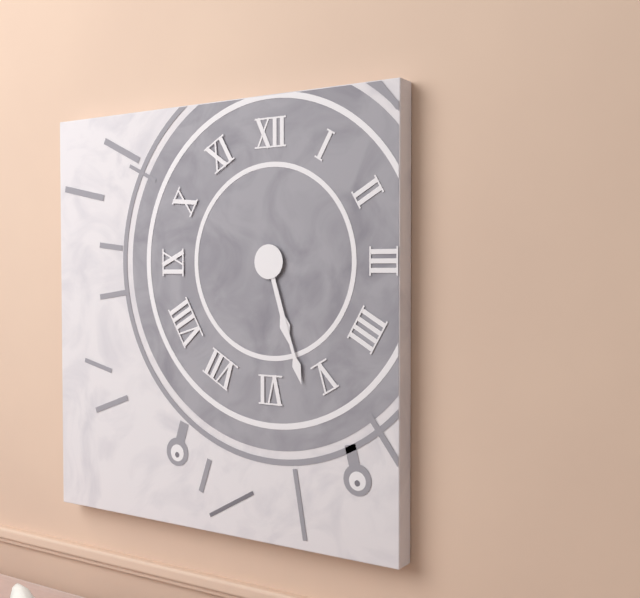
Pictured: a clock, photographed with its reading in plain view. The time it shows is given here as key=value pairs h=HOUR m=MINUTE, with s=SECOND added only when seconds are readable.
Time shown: h=5 m=27
